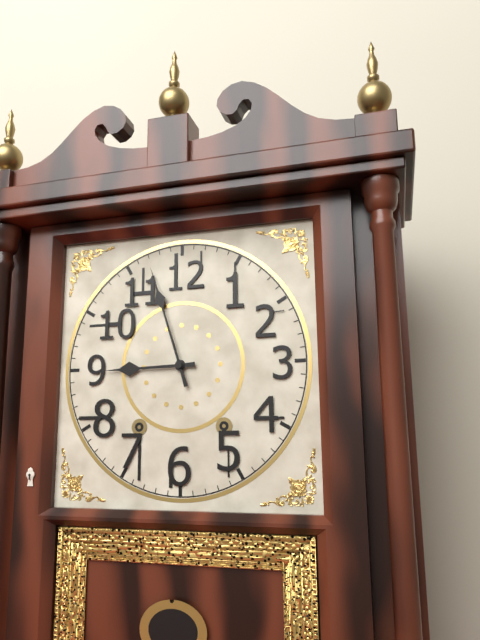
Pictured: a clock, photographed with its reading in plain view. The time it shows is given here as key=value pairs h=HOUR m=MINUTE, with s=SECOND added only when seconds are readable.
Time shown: h=8 m=57
